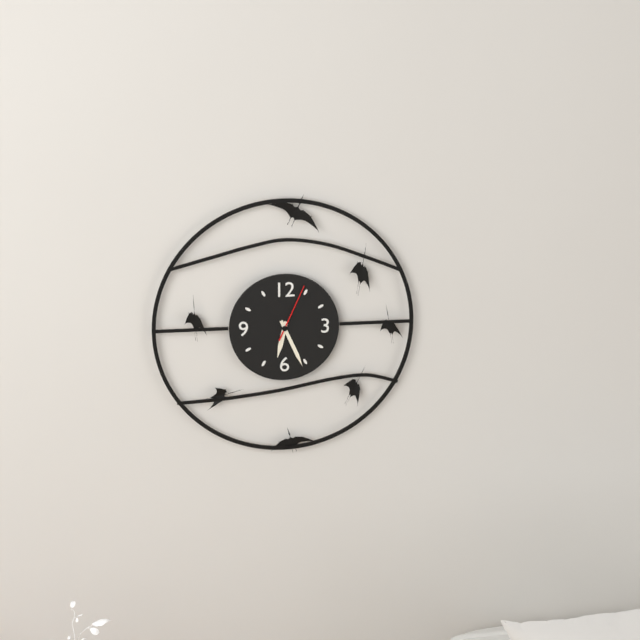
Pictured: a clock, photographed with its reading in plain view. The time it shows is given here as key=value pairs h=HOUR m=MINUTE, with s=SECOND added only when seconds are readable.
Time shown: h=6 m=26 s=4
